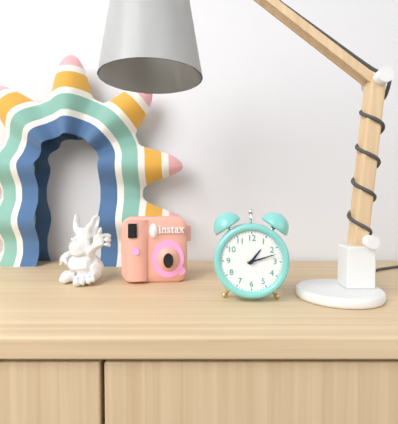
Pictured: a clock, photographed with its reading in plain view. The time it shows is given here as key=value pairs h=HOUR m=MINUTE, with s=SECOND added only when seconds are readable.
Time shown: h=1 m=12
